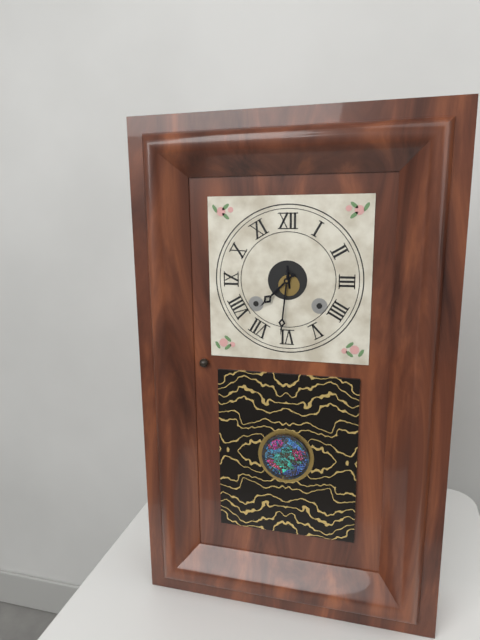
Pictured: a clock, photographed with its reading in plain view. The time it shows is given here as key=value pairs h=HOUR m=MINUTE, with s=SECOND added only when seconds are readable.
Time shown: h=7 m=31
